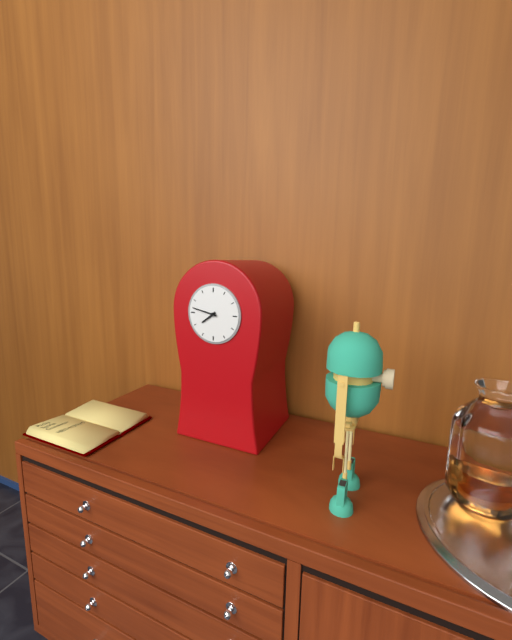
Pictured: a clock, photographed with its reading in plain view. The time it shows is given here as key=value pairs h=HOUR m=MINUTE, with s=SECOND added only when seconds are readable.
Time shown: h=7 m=47
